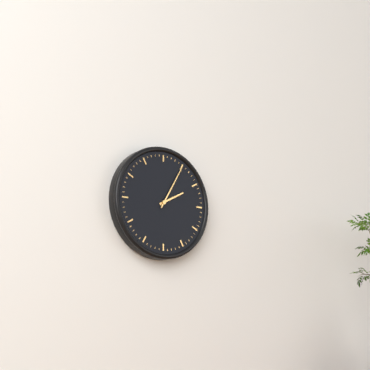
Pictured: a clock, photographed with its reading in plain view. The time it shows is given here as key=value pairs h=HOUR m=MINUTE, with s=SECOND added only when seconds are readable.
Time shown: h=2 m=5
